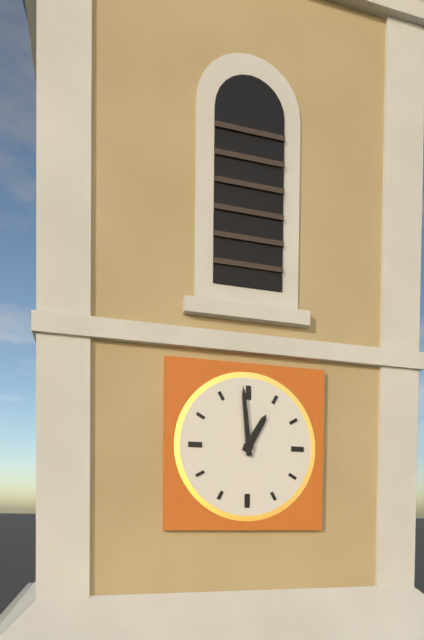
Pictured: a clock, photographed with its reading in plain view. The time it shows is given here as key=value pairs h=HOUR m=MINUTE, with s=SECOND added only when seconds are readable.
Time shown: h=12 m=59
